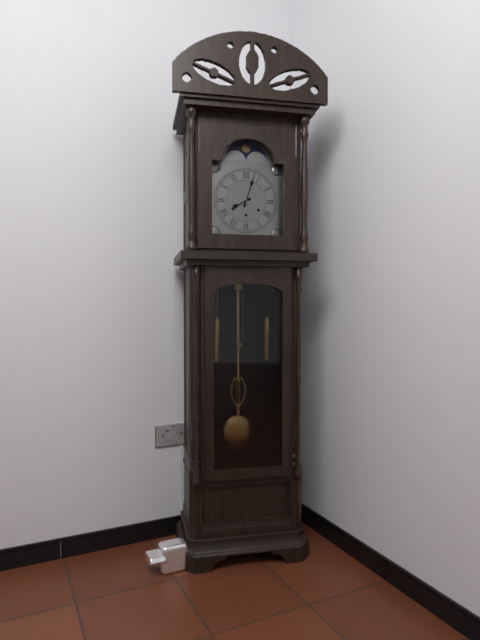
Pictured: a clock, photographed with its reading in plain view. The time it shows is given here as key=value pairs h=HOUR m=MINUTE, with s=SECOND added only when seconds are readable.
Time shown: h=8 m=3
